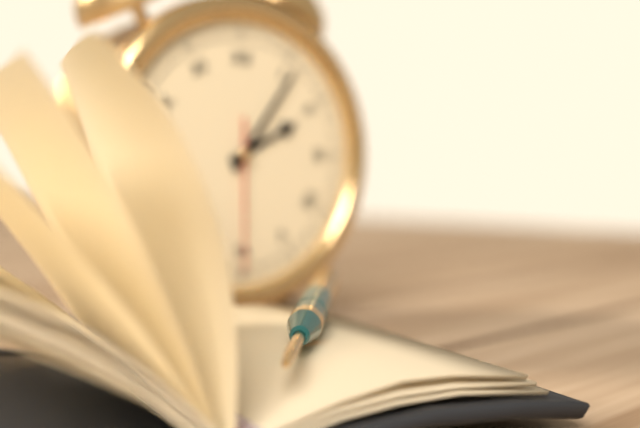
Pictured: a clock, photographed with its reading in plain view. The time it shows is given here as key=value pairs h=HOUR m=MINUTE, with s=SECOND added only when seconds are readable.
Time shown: h=2 m=6 s=30
